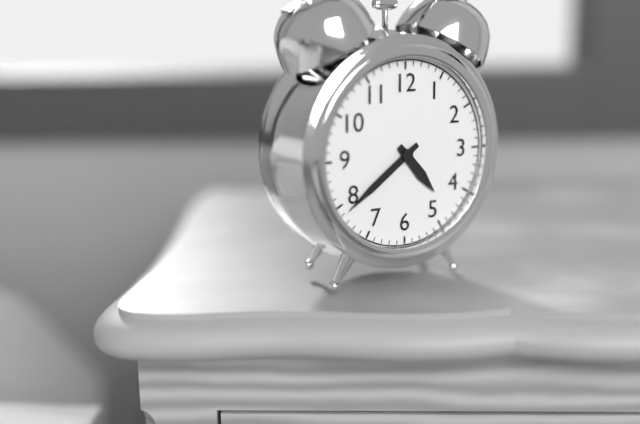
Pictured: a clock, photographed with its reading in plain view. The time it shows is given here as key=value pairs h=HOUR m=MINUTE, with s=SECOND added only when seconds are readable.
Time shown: h=4 m=39
